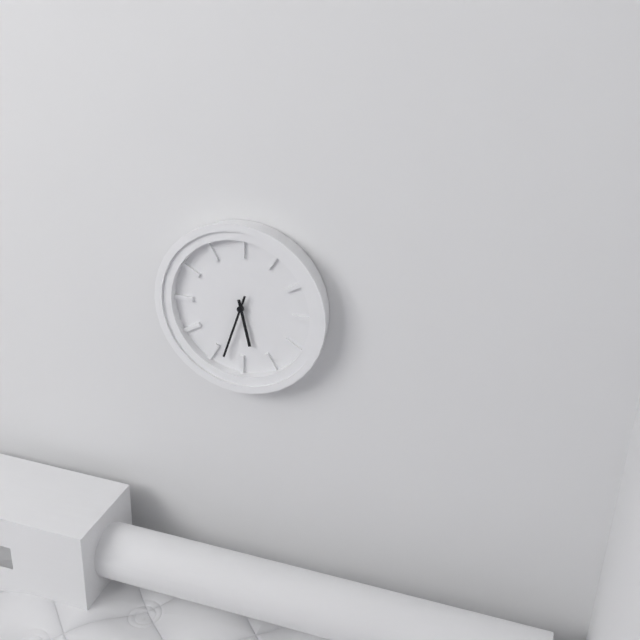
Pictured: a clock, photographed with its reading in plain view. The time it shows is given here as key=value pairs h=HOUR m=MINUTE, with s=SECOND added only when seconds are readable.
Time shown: h=5 m=33
